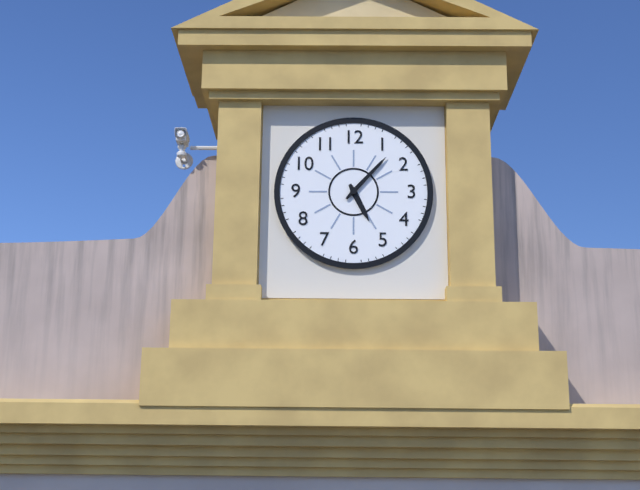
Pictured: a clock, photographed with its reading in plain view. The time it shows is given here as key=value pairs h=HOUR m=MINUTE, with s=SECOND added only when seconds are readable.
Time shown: h=5 m=7
